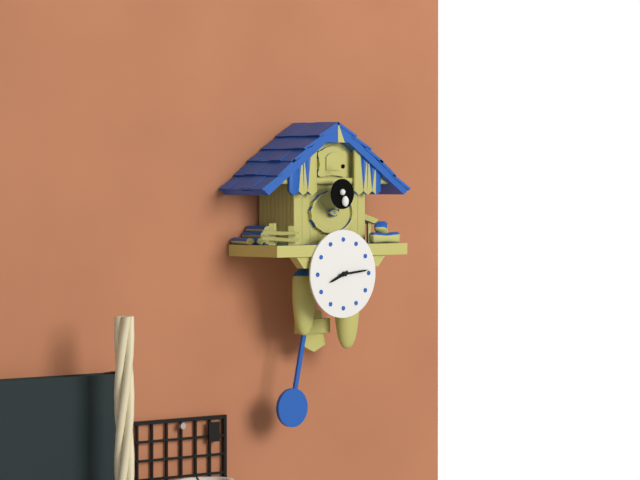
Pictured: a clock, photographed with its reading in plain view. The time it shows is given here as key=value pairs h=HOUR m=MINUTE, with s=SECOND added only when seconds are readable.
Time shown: h=8 m=14
